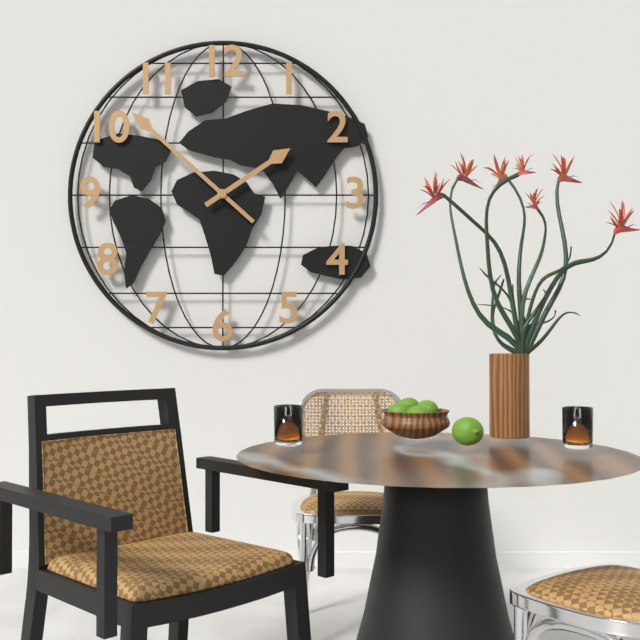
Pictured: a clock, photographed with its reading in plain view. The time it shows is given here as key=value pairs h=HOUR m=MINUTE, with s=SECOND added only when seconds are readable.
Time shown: h=1 m=52
